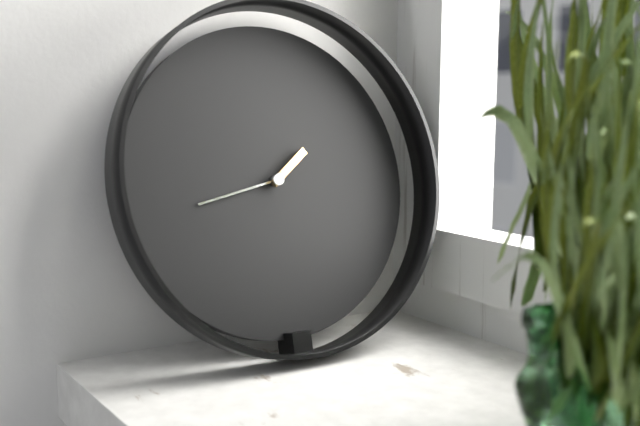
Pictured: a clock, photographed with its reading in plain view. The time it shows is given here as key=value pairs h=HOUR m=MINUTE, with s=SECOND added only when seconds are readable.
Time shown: h=1 m=43
